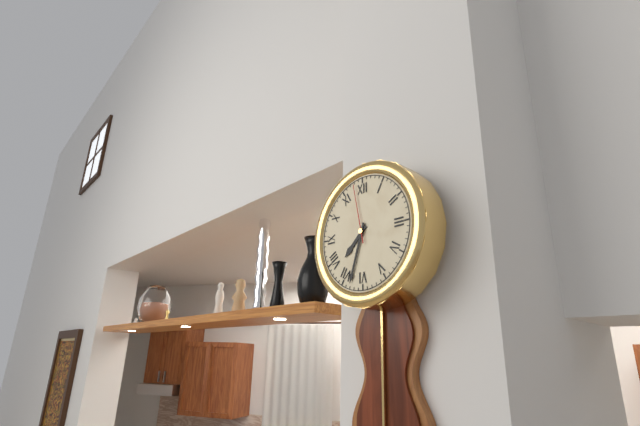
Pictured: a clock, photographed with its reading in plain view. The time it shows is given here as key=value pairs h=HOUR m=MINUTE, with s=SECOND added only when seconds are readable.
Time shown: h=7 m=33 s=58
